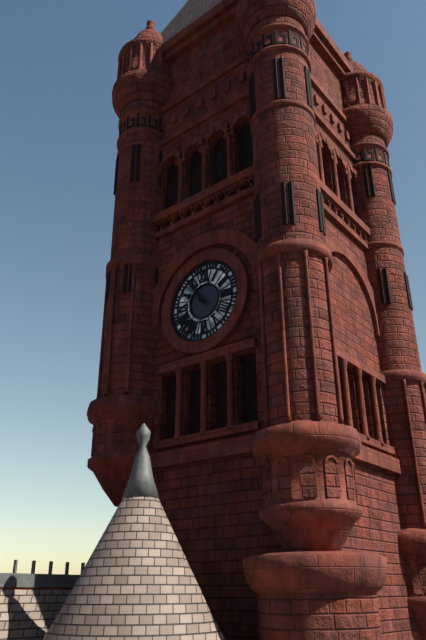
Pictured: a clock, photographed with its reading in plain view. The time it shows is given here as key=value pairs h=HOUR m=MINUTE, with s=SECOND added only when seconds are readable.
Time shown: h=10 m=54
